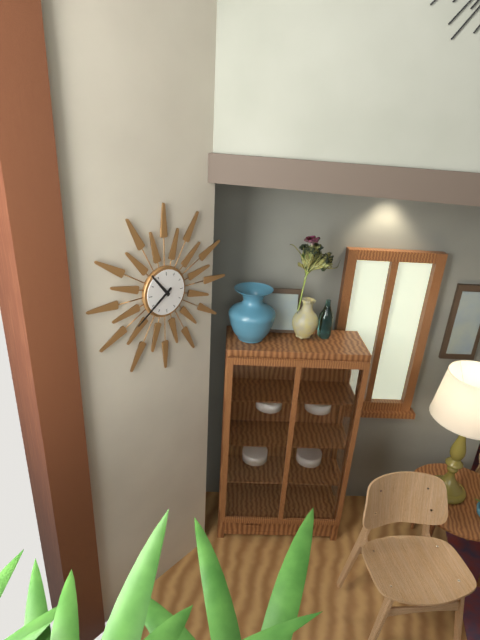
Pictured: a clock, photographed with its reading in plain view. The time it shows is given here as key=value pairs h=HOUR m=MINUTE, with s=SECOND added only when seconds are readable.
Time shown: h=10 m=39
